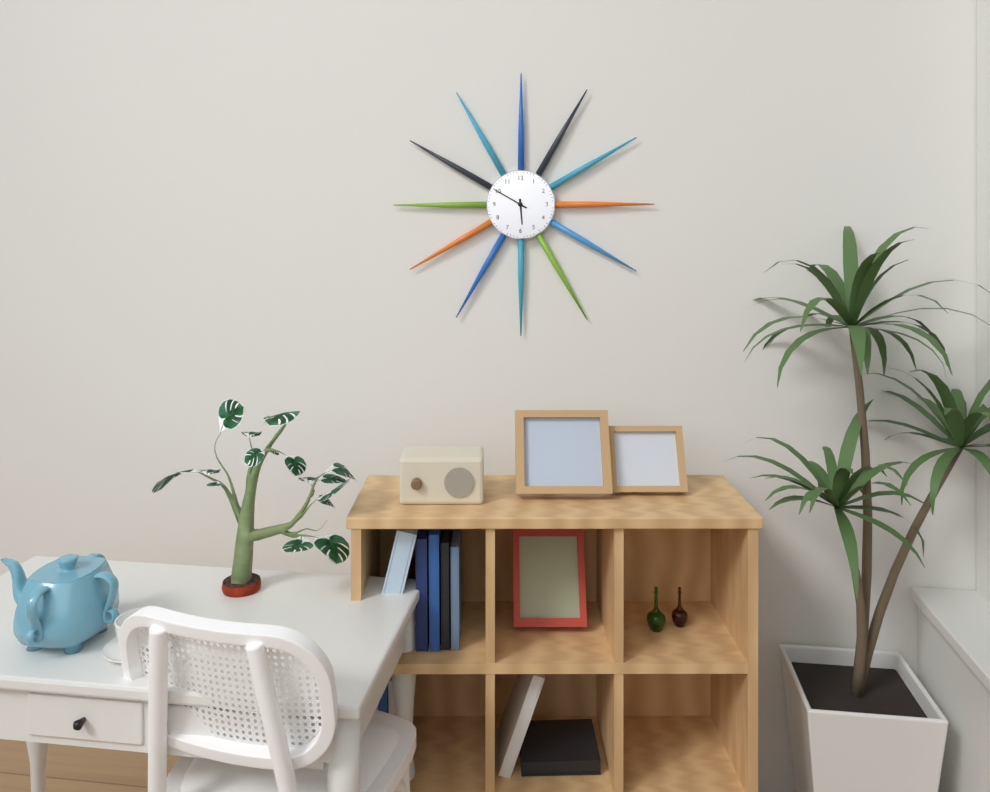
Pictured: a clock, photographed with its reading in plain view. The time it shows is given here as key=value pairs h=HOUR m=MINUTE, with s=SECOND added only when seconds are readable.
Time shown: h=5 m=50
